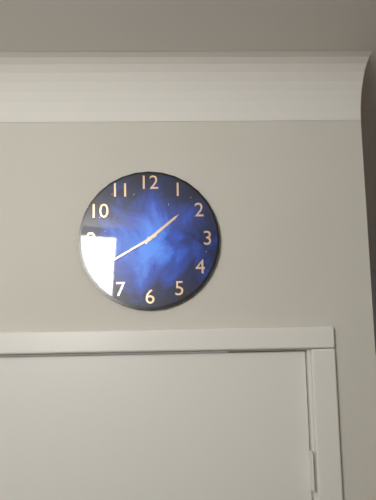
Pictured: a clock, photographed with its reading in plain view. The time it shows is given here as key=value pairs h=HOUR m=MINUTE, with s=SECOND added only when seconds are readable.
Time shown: h=1 m=40
